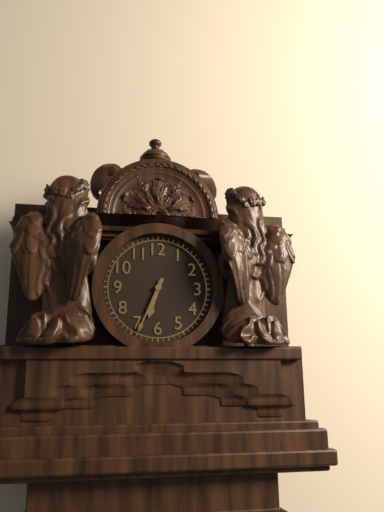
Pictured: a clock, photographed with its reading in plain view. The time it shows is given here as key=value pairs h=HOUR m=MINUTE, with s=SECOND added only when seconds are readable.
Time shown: h=6 m=34
